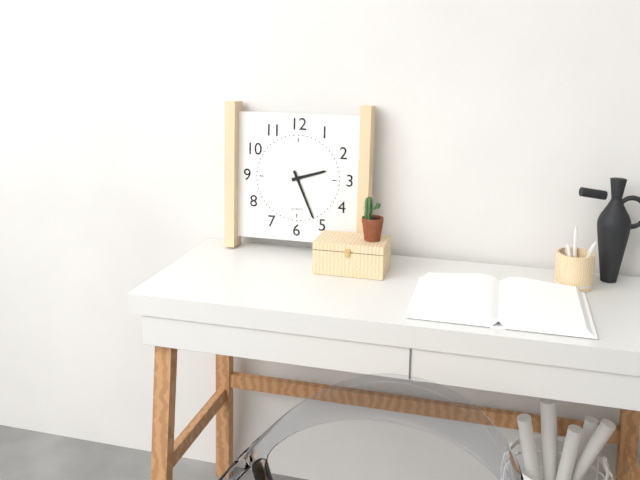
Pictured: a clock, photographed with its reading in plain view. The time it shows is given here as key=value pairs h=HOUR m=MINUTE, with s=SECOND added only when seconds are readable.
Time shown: h=2 m=26
